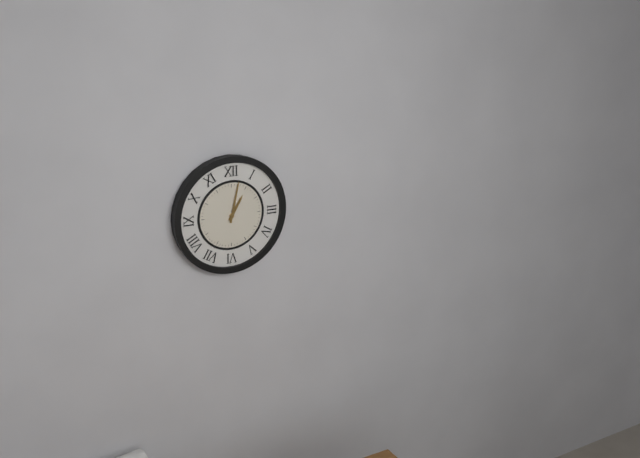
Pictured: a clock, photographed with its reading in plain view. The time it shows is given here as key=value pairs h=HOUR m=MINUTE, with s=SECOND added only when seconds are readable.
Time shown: h=1 m=2
